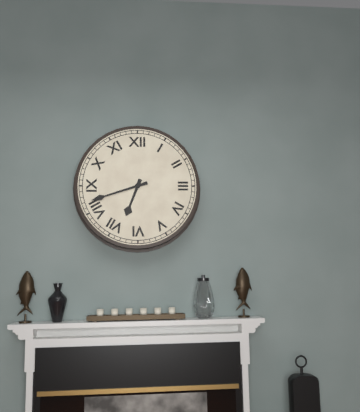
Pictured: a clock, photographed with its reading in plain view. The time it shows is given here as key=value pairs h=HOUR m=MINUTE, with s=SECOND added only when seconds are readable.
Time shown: h=6 m=42
